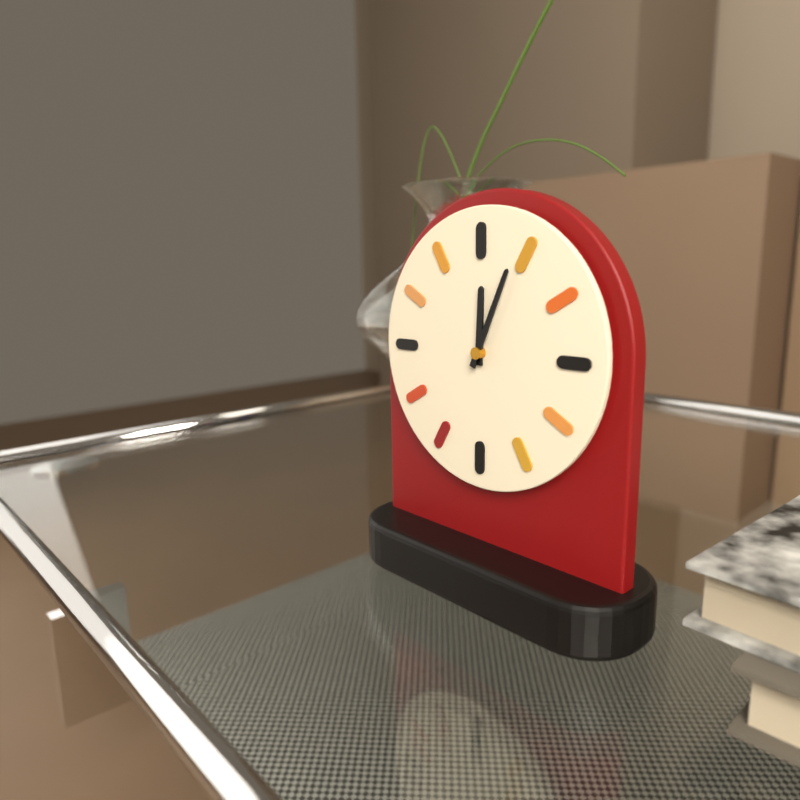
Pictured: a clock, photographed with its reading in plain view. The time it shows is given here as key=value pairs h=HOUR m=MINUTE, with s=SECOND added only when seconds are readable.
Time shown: h=12 m=4
